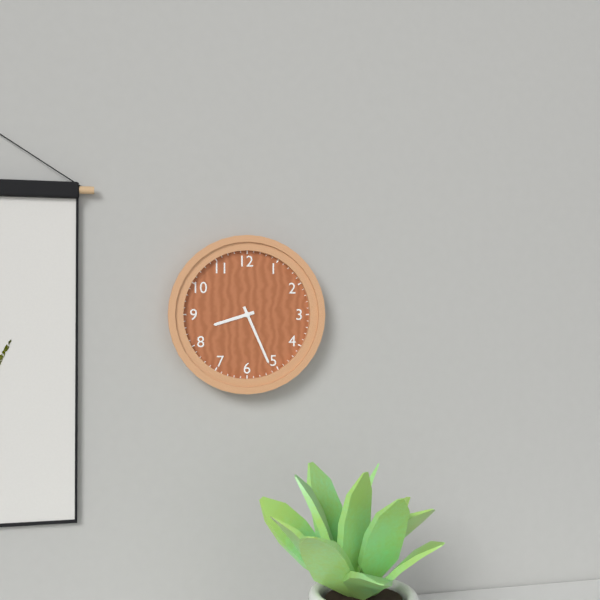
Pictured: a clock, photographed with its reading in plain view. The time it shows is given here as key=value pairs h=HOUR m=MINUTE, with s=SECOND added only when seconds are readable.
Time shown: h=8 m=26
